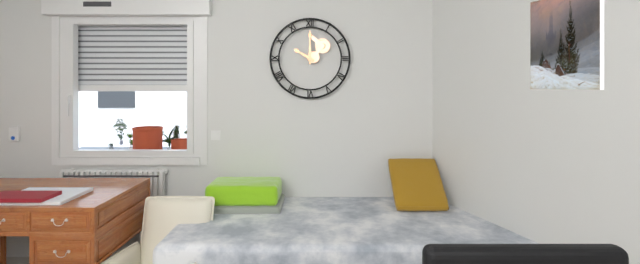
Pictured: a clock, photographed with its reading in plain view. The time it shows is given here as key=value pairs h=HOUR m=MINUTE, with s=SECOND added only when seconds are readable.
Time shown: h=10 m=0
